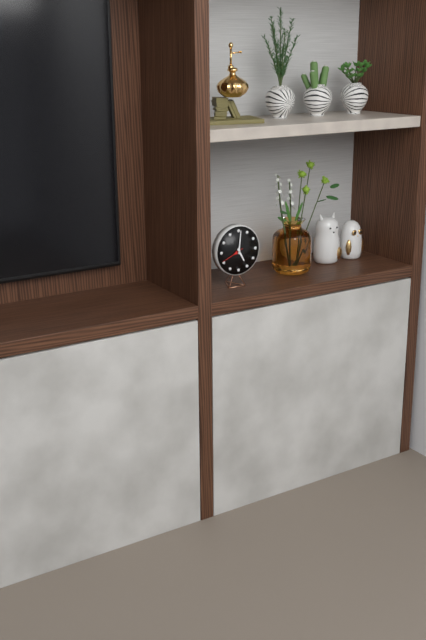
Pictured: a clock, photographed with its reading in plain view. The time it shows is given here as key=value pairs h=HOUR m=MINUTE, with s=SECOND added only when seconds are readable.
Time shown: h=5 m=1
